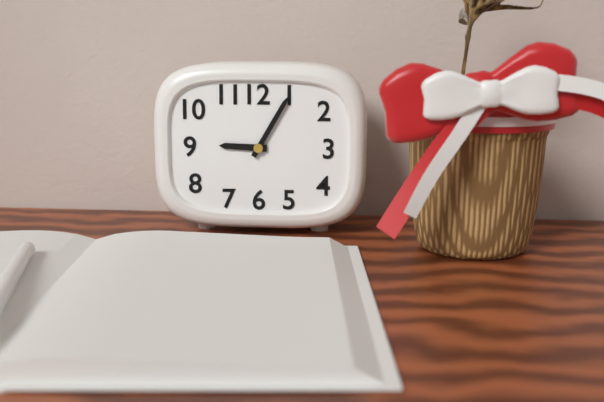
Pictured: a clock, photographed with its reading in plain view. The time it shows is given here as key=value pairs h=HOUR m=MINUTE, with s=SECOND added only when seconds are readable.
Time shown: h=9 m=5
